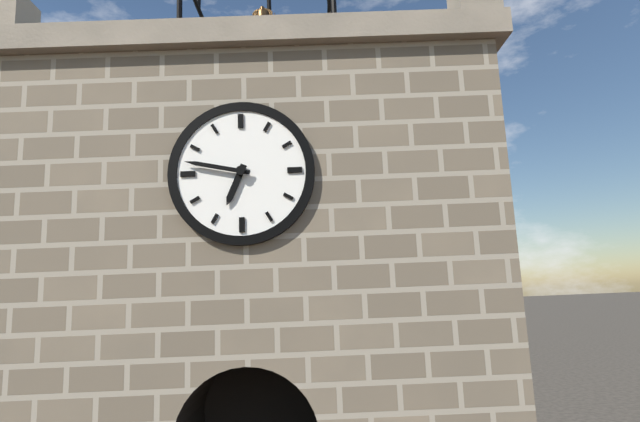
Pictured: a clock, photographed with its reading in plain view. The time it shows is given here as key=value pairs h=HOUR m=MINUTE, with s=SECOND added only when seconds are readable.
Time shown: h=6 m=47
